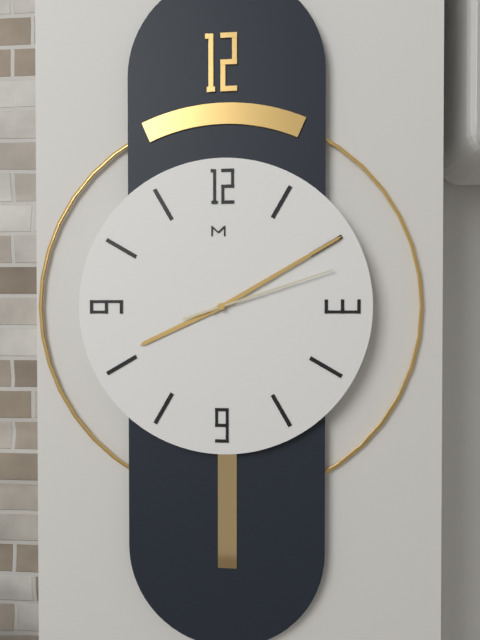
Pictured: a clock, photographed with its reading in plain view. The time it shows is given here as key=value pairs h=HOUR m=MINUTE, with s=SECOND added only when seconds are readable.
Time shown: h=8 m=10 s=12
